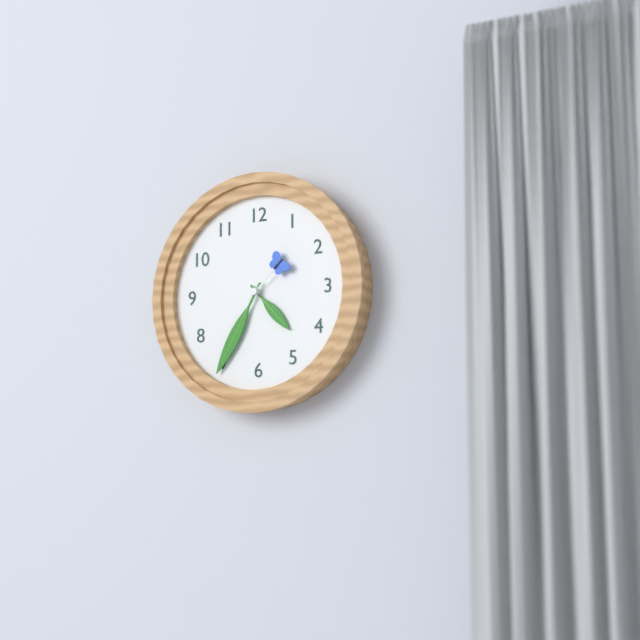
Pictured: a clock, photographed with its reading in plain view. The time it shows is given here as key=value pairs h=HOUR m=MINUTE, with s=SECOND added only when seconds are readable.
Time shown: h=4 m=35 s=8
